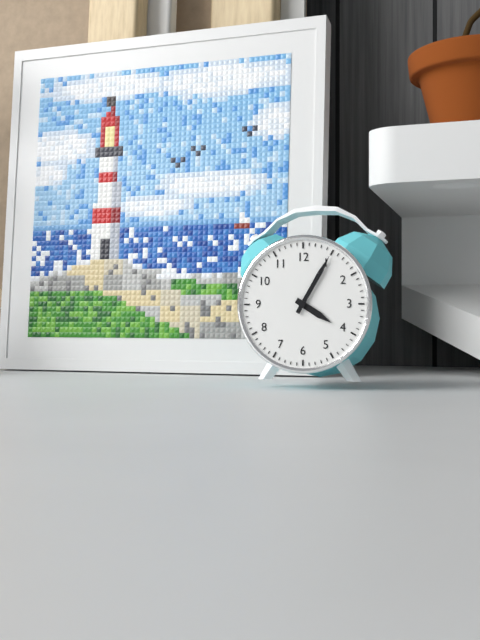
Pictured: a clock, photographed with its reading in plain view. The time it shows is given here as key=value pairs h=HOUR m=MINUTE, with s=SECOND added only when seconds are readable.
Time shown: h=4 m=5
